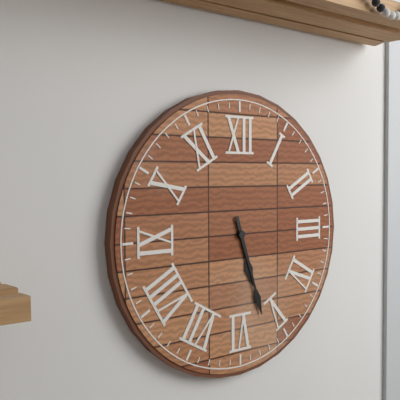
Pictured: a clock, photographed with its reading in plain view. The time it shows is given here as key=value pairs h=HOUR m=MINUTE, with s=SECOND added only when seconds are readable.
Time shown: h=5 m=27
